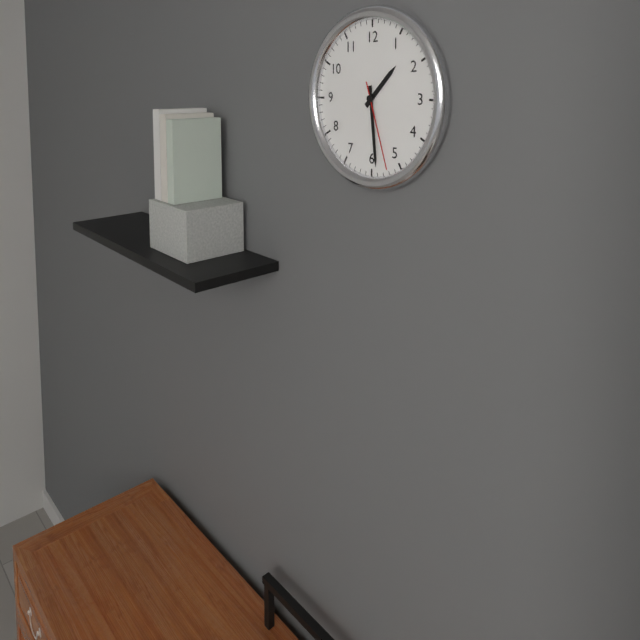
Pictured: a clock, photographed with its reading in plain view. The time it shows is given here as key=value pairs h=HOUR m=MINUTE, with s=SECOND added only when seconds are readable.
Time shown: h=1 m=29 s=27
